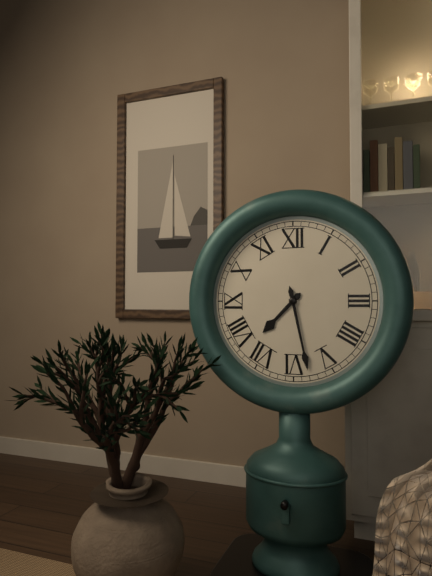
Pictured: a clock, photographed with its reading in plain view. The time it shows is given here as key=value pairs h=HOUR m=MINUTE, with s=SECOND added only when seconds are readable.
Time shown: h=7 m=28
